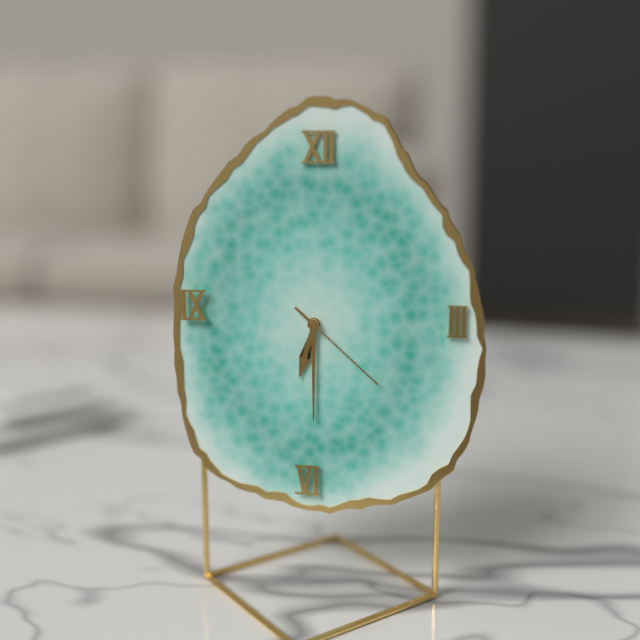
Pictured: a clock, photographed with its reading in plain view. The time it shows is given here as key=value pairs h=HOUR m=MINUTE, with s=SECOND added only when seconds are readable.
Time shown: h=6 m=30 s=22
